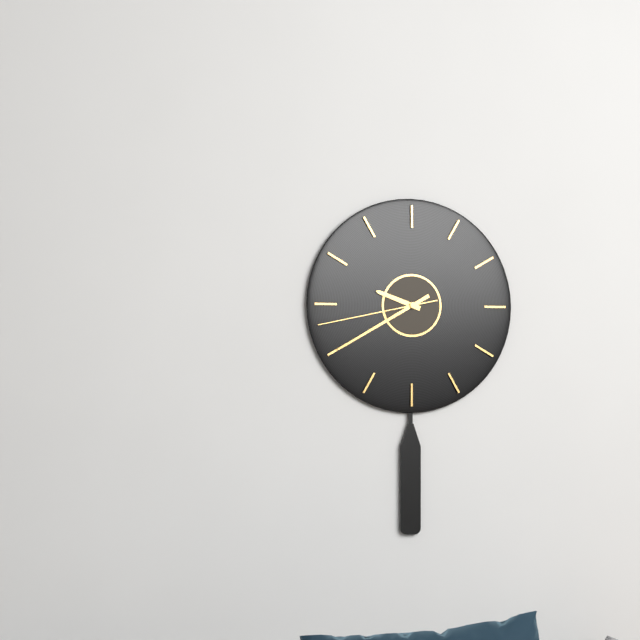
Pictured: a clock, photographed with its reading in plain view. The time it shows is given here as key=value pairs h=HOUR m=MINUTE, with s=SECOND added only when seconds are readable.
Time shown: h=9 m=40 s=43
